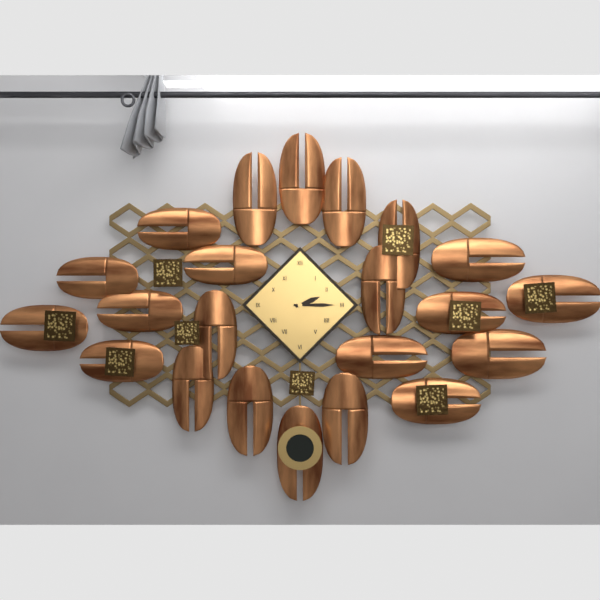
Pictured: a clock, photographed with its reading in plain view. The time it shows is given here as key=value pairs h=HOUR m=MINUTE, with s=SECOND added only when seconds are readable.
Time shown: h=2 m=15
